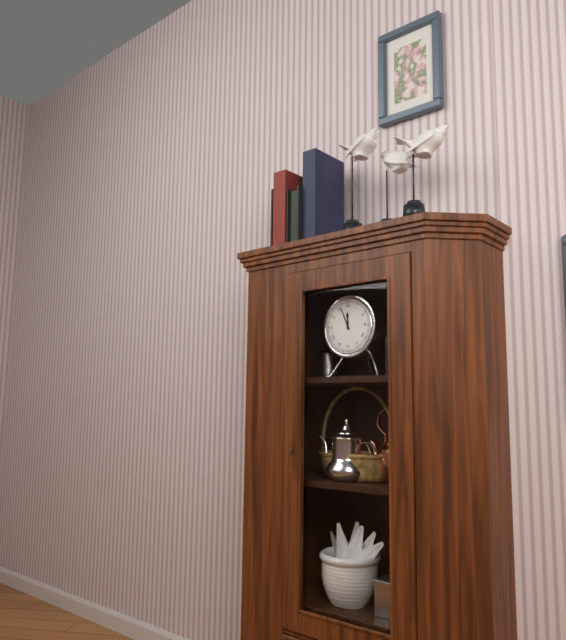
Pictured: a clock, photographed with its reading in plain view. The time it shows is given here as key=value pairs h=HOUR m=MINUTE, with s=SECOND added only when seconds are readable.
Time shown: h=11 m=56
